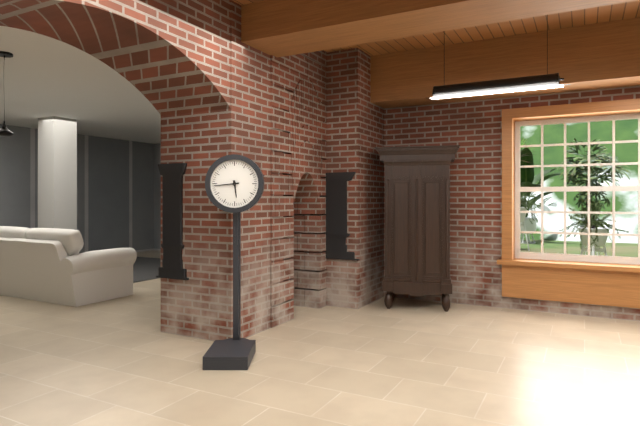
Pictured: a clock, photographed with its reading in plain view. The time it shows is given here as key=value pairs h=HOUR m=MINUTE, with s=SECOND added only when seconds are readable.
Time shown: h=5 m=44
